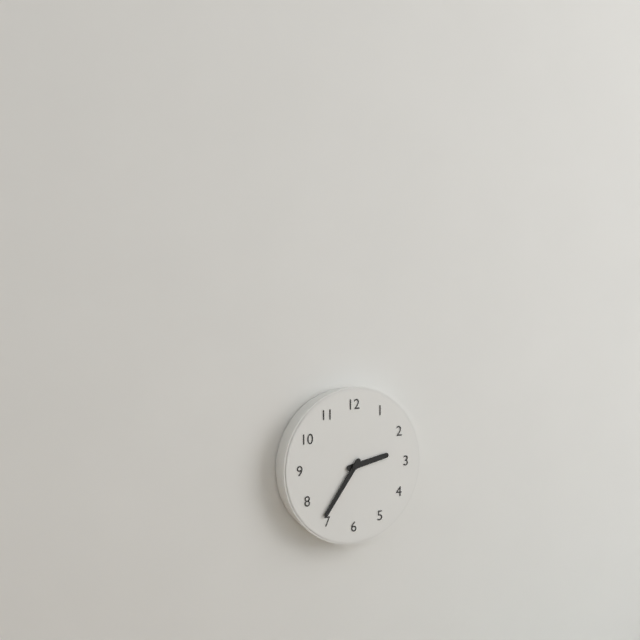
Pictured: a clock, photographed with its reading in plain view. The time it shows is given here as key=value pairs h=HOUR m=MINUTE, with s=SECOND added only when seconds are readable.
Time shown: h=2 m=36
